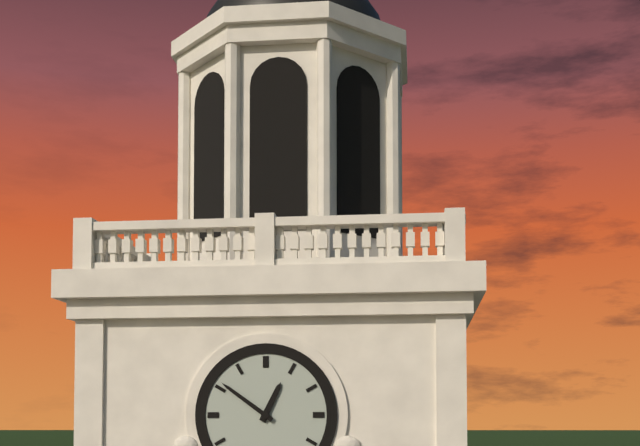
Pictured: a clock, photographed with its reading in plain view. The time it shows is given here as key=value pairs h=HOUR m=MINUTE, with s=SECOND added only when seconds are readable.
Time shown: h=12 m=51
